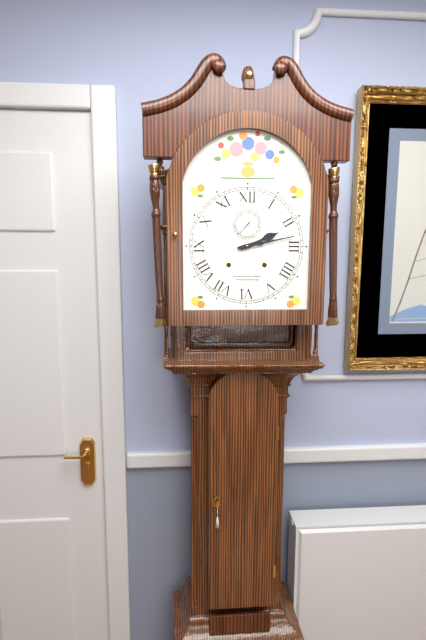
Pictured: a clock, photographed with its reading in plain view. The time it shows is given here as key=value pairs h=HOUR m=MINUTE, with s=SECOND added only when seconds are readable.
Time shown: h=2 m=13
